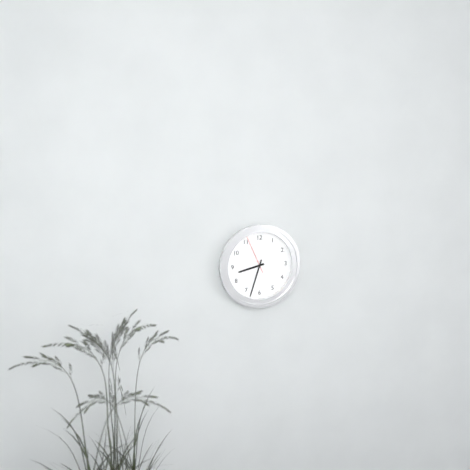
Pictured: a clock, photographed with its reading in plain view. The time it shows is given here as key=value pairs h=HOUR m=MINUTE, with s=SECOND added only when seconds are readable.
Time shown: h=8 m=33
